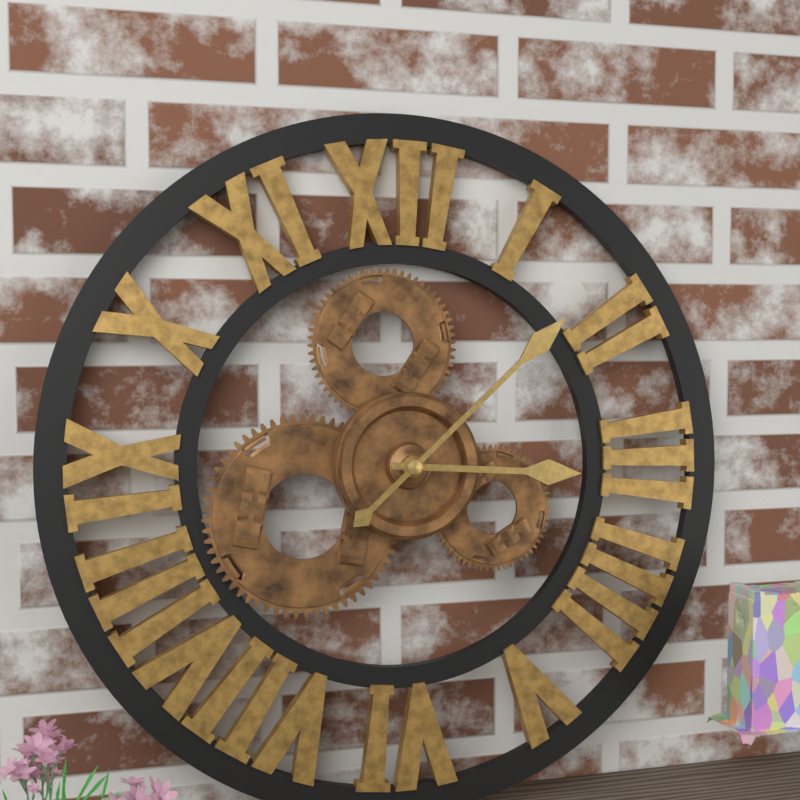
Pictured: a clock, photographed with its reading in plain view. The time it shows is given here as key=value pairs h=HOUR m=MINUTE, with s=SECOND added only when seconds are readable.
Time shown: h=3 m=8
